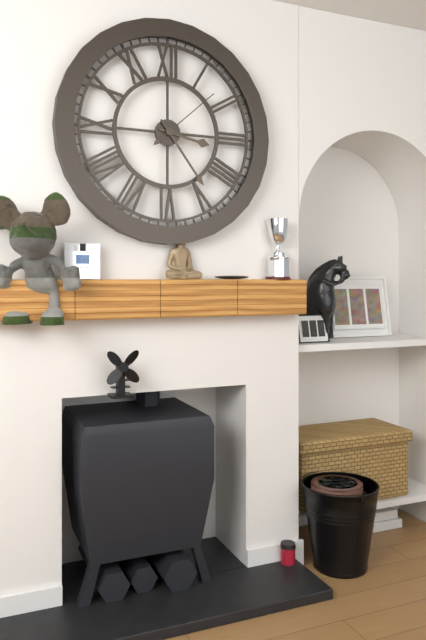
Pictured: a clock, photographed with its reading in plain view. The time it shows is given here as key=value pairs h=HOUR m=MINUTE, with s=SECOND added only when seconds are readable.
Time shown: h=3 m=24 s=8
